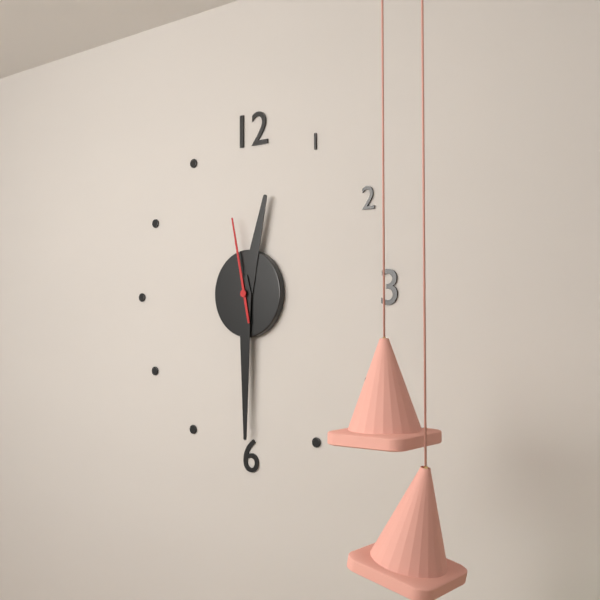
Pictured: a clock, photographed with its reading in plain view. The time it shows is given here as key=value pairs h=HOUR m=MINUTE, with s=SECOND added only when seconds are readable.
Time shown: h=12 m=30 s=58
